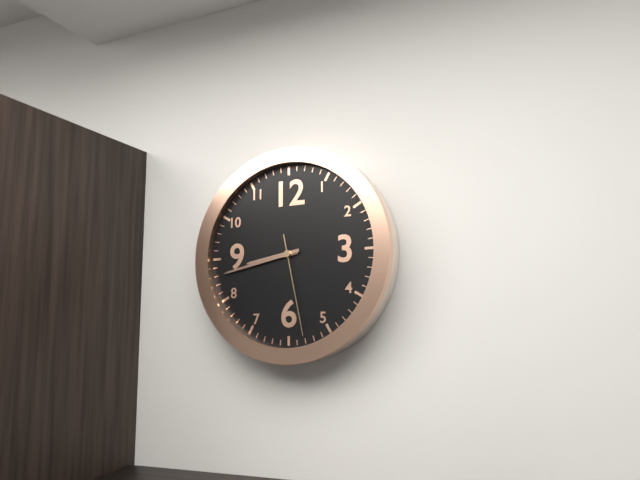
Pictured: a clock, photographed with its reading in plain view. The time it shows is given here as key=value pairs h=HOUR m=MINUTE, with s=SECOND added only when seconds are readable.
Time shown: h=8 m=43 s=28
